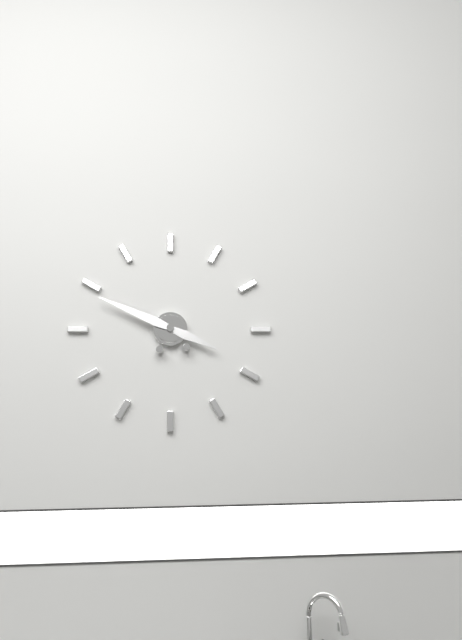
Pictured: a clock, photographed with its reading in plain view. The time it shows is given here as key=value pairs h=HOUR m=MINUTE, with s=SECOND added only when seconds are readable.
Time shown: h=3 m=49
